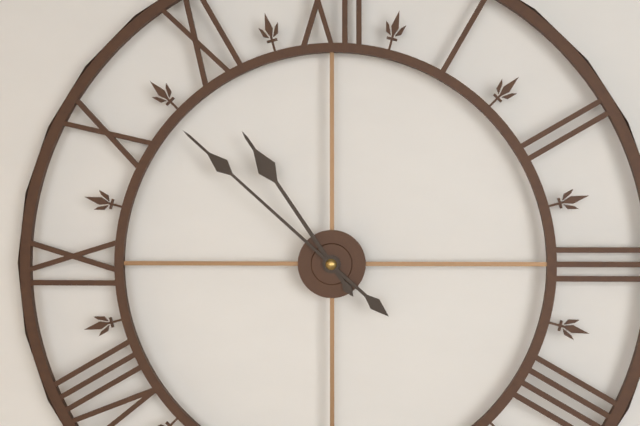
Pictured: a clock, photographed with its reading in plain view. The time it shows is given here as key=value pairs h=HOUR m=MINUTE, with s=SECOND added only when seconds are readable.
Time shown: h=10 m=52
